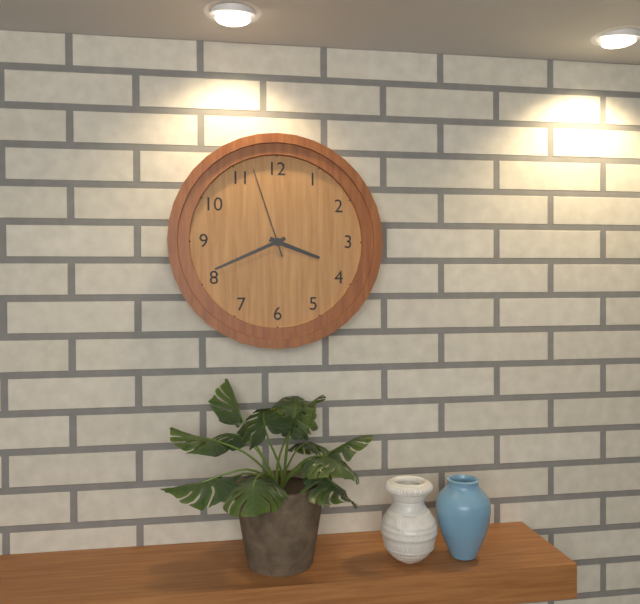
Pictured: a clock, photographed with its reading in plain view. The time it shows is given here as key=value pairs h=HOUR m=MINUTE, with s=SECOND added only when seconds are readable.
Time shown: h=3 m=41 s=57
